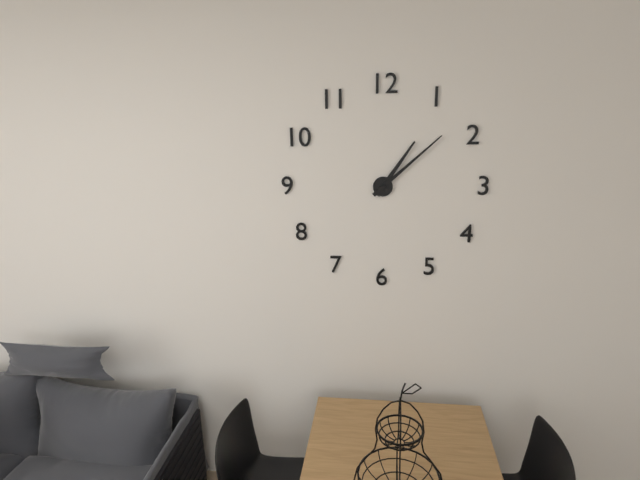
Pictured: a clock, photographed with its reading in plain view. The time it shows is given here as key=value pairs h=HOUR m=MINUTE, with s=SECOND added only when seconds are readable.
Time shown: h=1 m=8
